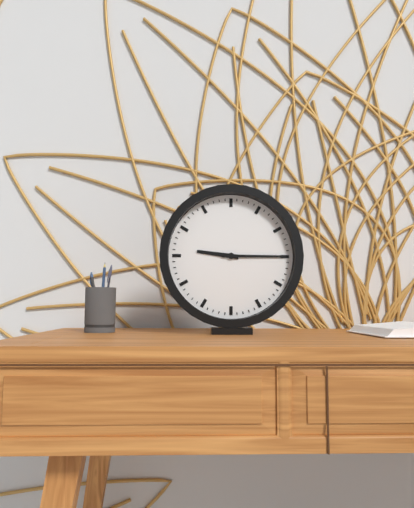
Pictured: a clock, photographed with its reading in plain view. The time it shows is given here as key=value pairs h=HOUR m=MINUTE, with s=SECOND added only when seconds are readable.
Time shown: h=9 m=15
